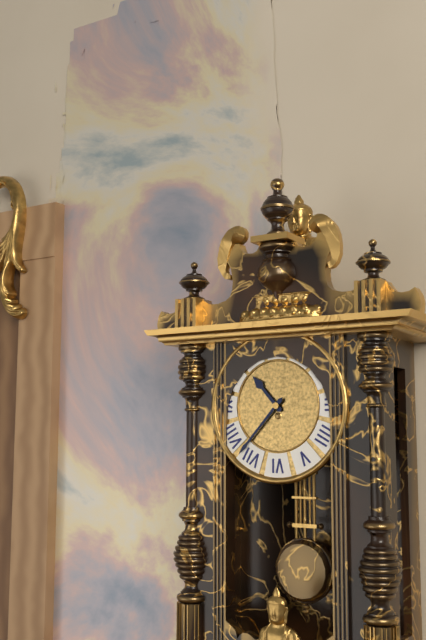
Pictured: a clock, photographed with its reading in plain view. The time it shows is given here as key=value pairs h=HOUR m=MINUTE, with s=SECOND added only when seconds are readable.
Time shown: h=10 m=37
